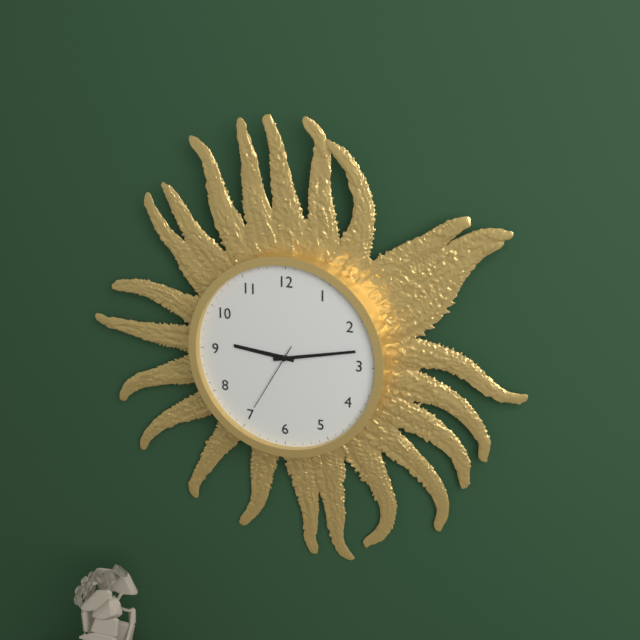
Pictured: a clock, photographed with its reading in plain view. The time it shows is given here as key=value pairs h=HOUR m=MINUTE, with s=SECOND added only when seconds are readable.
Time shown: h=9 m=13 s=35
